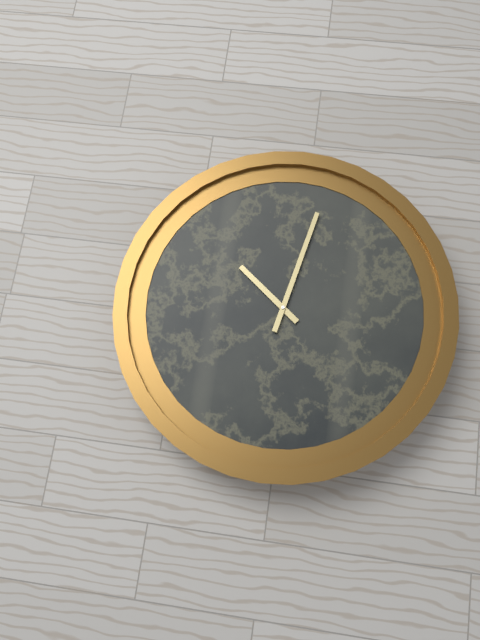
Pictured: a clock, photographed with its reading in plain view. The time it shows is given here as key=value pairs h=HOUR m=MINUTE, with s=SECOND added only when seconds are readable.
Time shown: h=1 m=17
